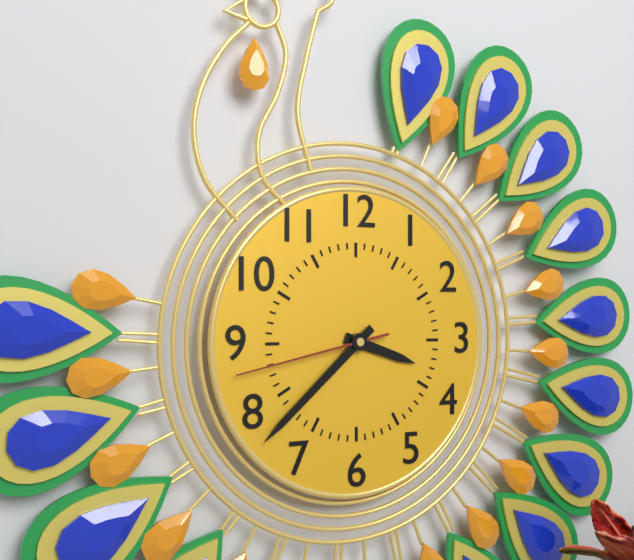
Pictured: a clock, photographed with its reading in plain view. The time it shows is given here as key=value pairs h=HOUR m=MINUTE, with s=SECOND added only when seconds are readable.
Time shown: h=3 m=38 s=43
